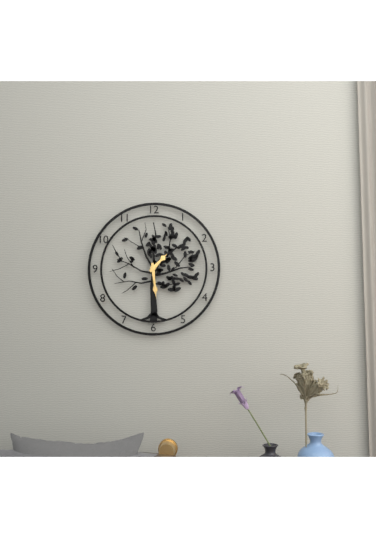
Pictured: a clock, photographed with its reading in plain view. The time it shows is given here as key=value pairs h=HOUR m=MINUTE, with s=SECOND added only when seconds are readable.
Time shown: h=1 m=29
